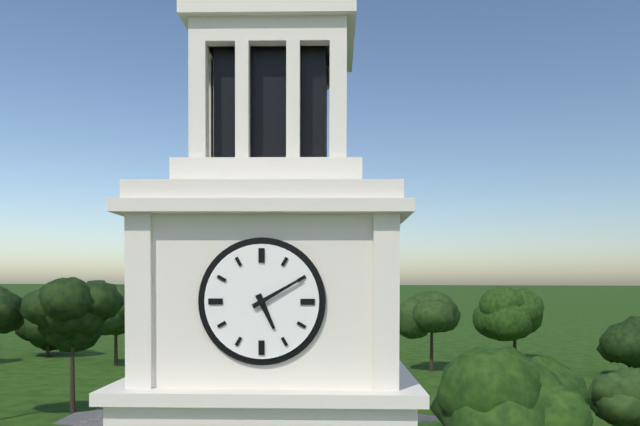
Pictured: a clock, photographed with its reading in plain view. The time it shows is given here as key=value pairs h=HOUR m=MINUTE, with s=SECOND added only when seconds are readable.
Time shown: h=5 m=10
